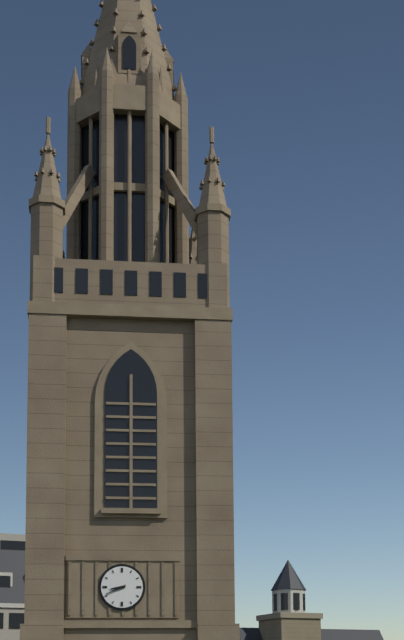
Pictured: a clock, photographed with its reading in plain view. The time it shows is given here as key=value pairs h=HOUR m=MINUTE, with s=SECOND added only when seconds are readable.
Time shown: h=8 m=41
